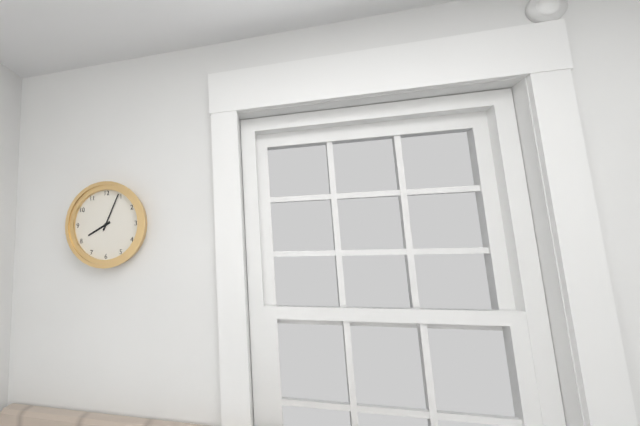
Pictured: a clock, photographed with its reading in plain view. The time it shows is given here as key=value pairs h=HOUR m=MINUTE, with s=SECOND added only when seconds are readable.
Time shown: h=8 m=4
